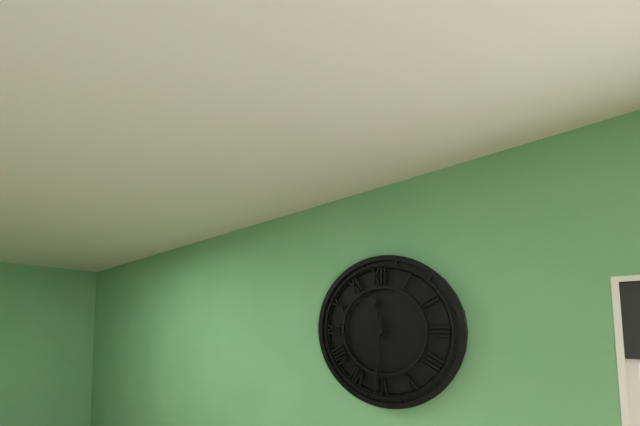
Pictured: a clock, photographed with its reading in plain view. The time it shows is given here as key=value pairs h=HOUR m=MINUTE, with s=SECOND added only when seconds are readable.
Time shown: h=11 m=31
